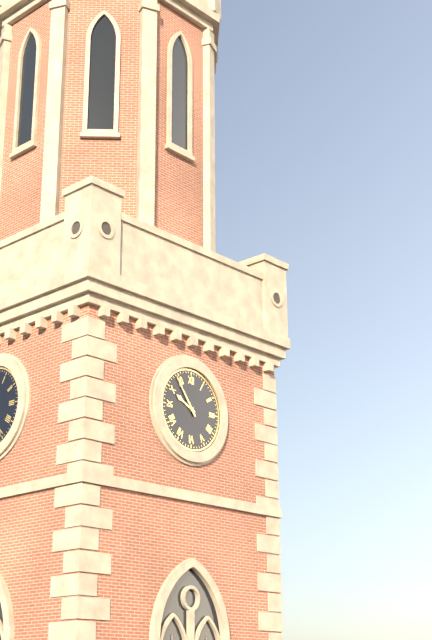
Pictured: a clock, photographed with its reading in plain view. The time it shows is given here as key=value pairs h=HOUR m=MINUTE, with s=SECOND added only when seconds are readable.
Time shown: h=9 m=54
